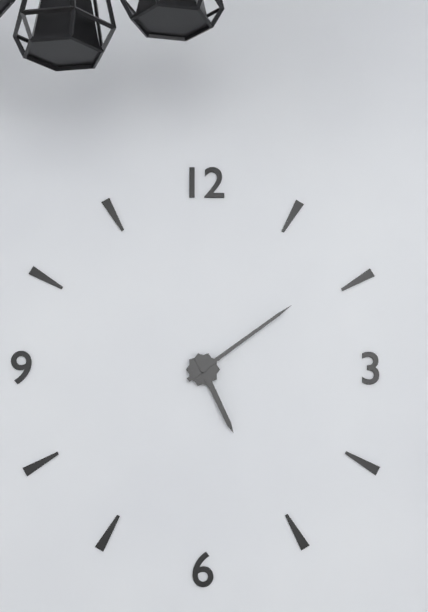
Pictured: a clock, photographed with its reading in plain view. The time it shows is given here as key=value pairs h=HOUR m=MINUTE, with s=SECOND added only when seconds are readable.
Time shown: h=5 m=9
